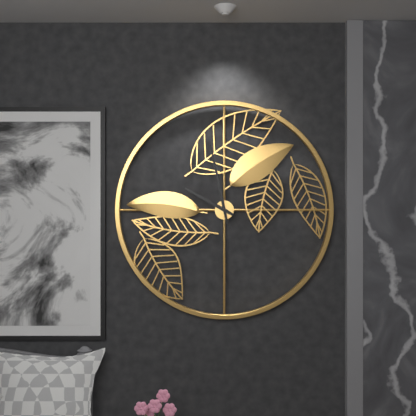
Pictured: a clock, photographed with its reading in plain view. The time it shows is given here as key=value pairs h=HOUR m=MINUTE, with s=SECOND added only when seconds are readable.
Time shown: h=9 m=58
